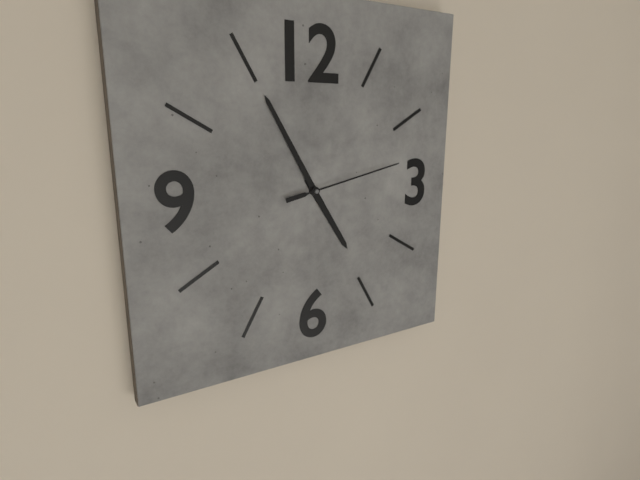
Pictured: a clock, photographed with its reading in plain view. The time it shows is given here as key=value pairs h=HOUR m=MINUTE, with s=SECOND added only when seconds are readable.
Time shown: h=4 m=55 s=13
